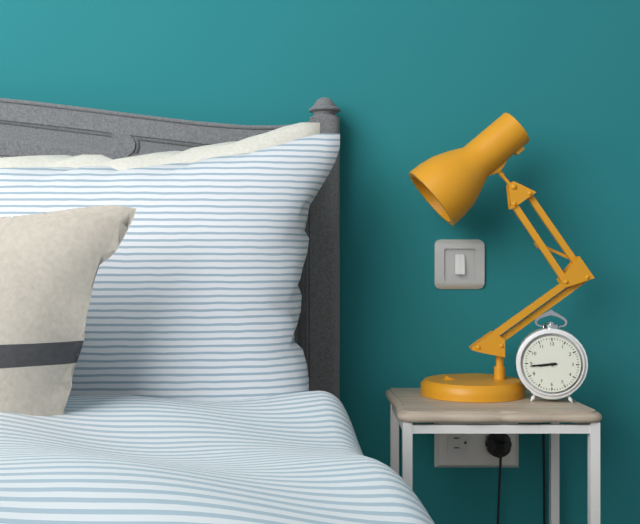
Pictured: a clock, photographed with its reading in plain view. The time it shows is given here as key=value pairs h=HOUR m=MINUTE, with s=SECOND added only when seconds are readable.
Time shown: h=8 m=44
